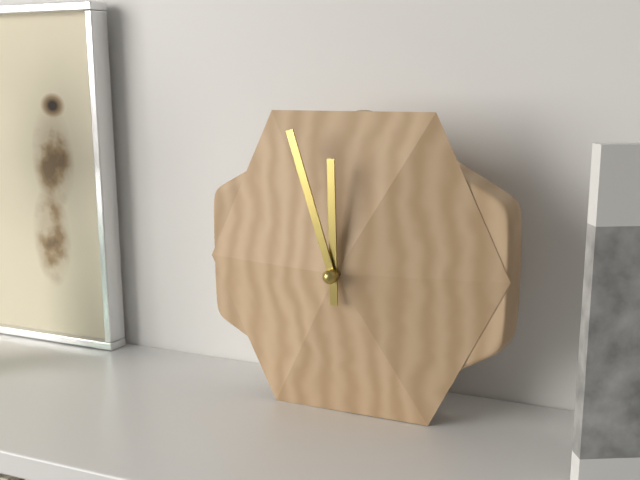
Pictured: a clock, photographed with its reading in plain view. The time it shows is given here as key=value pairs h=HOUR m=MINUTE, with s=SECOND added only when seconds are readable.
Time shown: h=11 m=57
